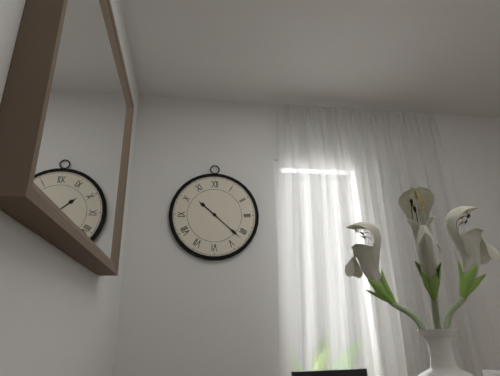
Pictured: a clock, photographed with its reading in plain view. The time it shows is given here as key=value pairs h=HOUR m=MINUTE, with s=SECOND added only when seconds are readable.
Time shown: h=10 m=22
